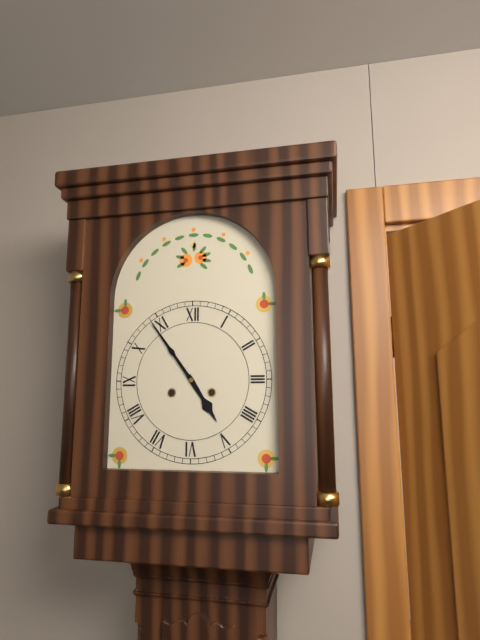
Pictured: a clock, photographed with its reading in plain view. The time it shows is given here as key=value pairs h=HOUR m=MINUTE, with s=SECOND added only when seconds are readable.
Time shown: h=4 m=54
